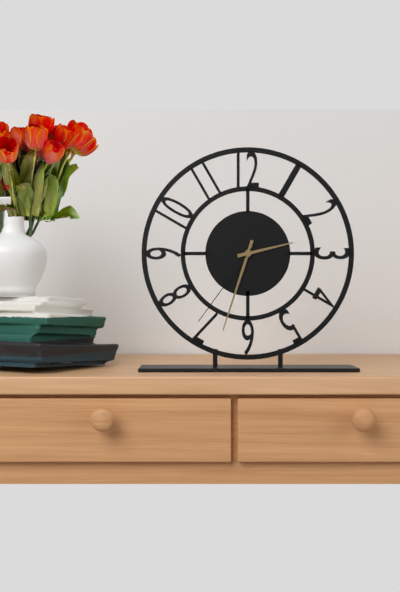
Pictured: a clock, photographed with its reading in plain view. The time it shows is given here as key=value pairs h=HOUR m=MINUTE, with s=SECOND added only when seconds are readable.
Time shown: h=2 m=33 s=36
